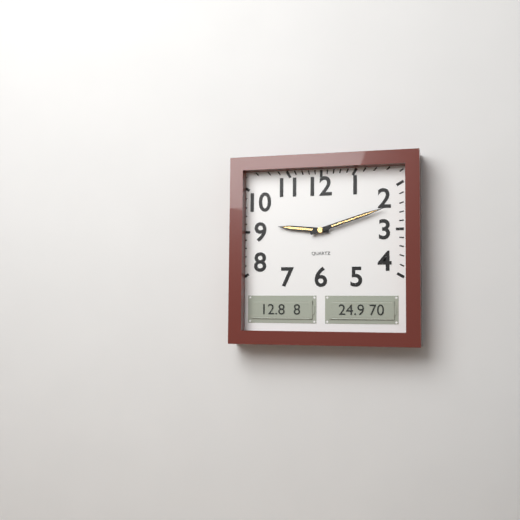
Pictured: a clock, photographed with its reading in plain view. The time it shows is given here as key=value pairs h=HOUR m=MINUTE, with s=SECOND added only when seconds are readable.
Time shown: h=9 m=12
